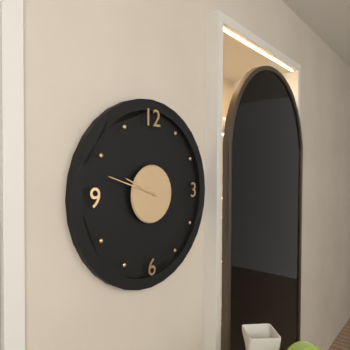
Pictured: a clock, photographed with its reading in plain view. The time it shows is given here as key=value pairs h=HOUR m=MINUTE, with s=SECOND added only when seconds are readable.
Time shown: h=9 m=48
